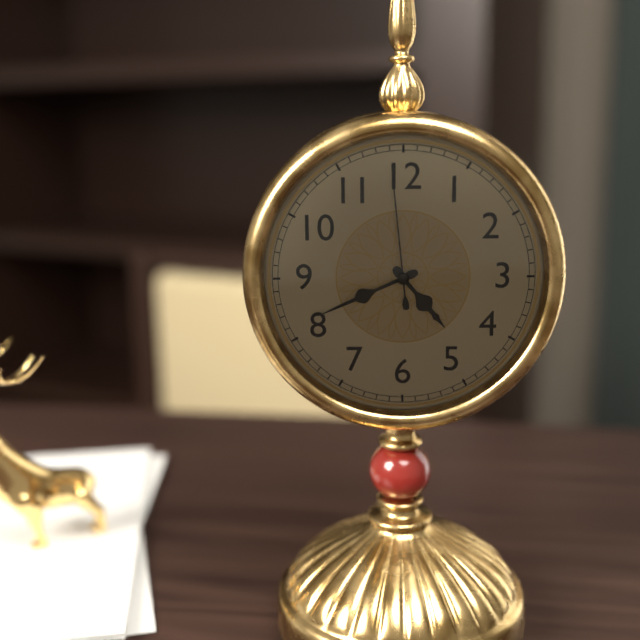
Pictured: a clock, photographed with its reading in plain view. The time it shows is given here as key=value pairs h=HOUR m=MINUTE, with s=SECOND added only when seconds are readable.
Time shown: h=4 m=41 s=59
